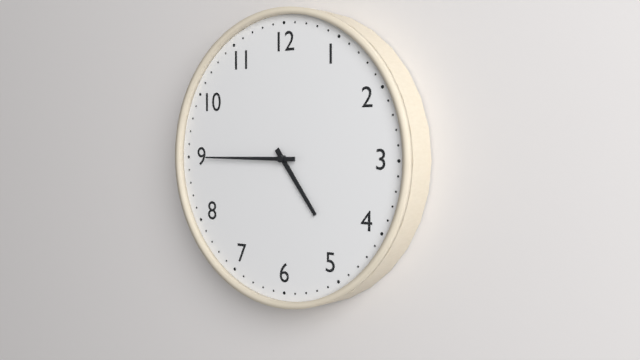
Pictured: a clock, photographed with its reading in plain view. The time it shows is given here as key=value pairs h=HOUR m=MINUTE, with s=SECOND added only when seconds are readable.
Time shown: h=4 m=45
